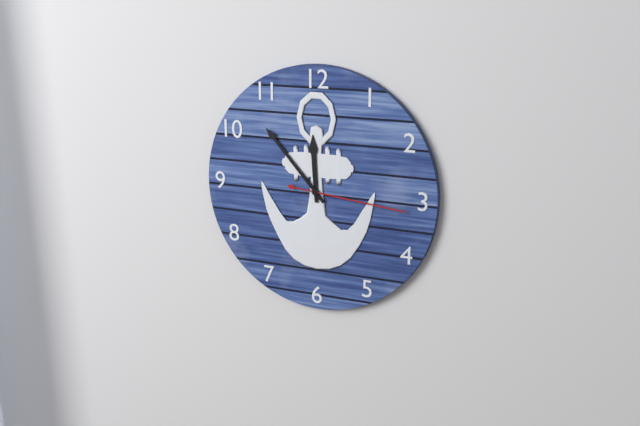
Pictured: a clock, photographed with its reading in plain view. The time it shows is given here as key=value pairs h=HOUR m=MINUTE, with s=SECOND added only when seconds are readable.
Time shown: h=11 m=53 s=16
